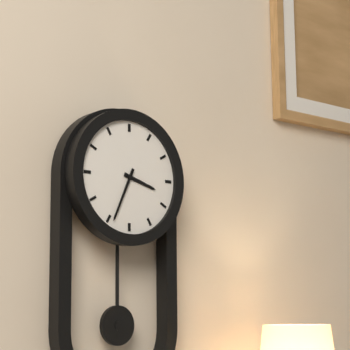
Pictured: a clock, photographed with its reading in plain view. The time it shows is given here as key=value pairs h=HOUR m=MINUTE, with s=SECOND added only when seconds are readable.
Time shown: h=3 m=34
